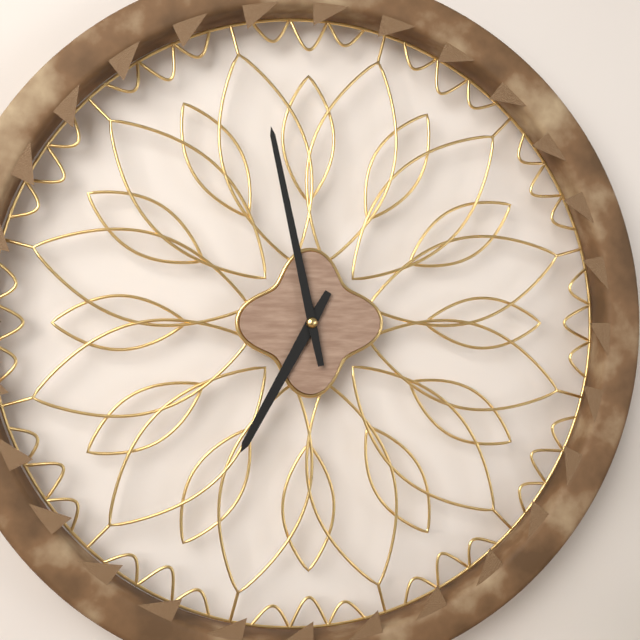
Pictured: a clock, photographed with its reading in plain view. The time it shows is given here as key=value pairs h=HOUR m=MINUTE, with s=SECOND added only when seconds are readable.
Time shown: h=6 m=58
